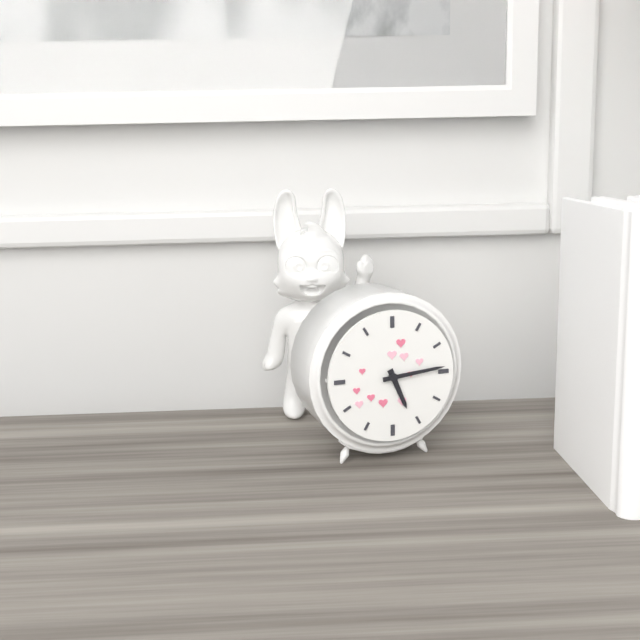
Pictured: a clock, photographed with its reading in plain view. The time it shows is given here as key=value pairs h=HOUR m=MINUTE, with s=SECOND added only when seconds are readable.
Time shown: h=5 m=14
